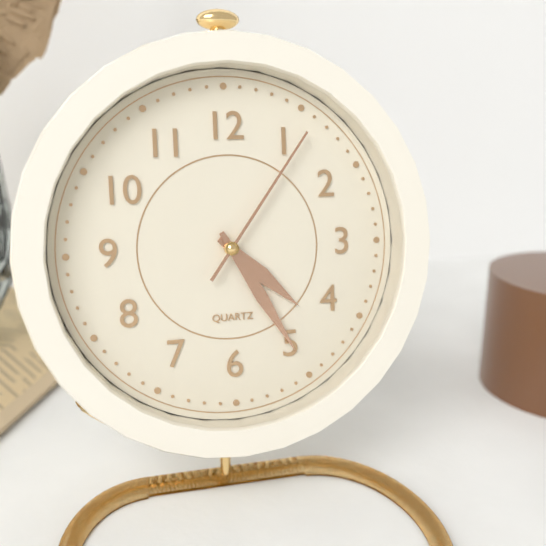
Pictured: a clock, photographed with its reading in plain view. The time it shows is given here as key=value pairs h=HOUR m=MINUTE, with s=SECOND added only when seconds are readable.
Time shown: h=4 m=25 s=6
